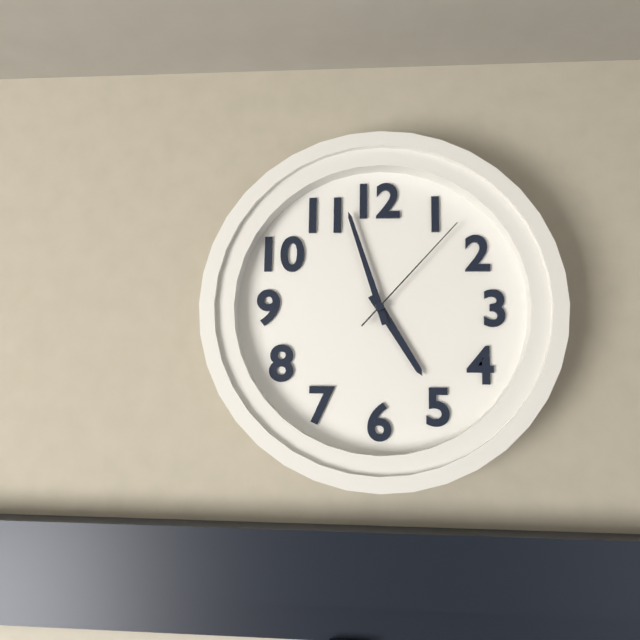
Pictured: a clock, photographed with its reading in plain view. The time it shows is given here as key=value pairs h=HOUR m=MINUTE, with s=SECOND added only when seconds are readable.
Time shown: h=4 m=57 s=7
